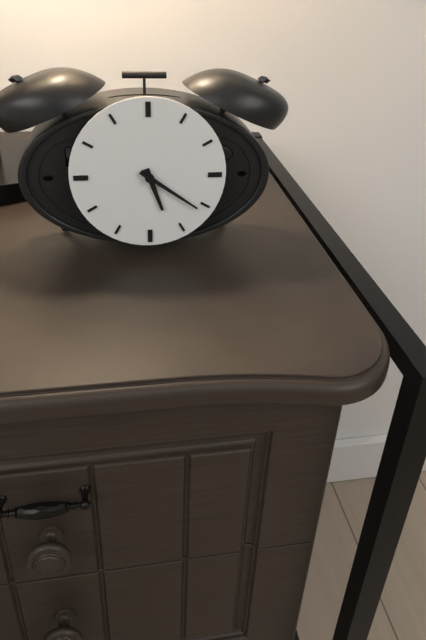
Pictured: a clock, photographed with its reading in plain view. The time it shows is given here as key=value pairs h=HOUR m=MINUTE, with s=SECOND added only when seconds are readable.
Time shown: h=5 m=21
